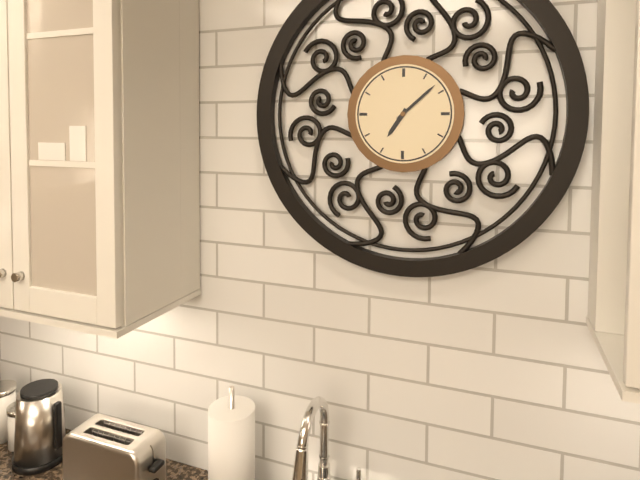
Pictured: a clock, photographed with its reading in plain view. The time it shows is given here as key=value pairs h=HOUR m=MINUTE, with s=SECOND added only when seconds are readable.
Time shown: h=7 m=8
